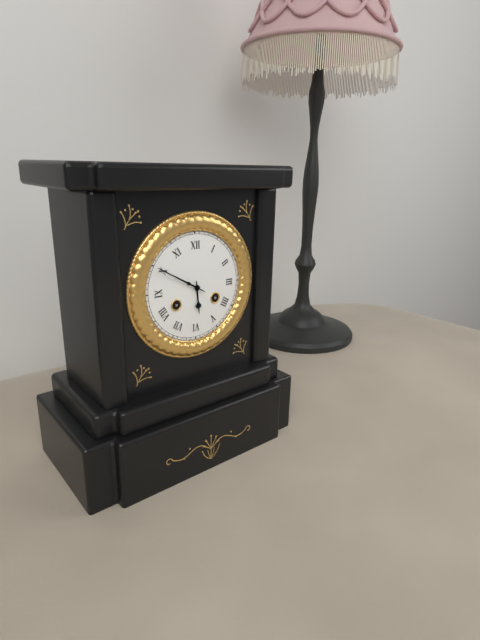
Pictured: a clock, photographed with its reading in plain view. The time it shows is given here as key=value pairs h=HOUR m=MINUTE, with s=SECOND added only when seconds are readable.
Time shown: h=5 m=50
